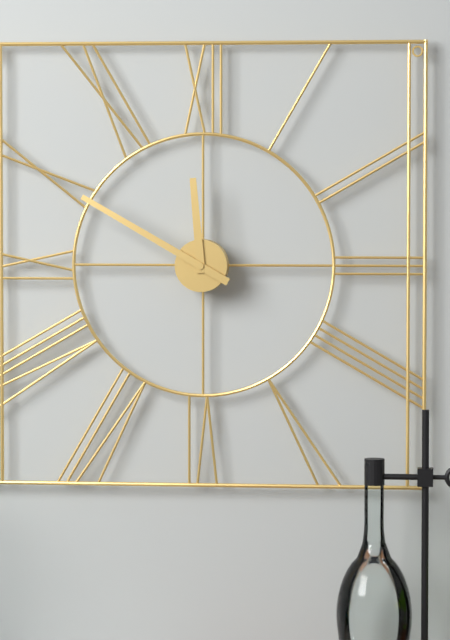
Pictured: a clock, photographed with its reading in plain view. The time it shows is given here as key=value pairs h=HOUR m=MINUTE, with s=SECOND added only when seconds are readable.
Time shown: h=11 m=50
